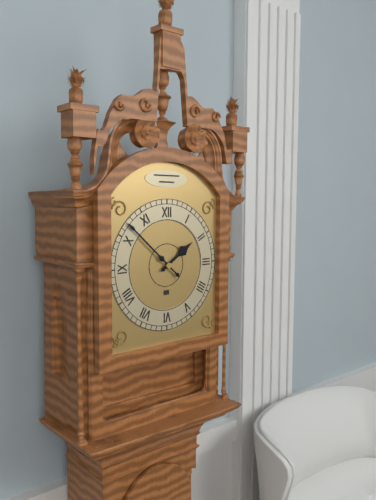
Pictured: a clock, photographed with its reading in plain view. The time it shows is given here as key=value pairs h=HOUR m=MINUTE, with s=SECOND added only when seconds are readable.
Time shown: h=1 m=52
